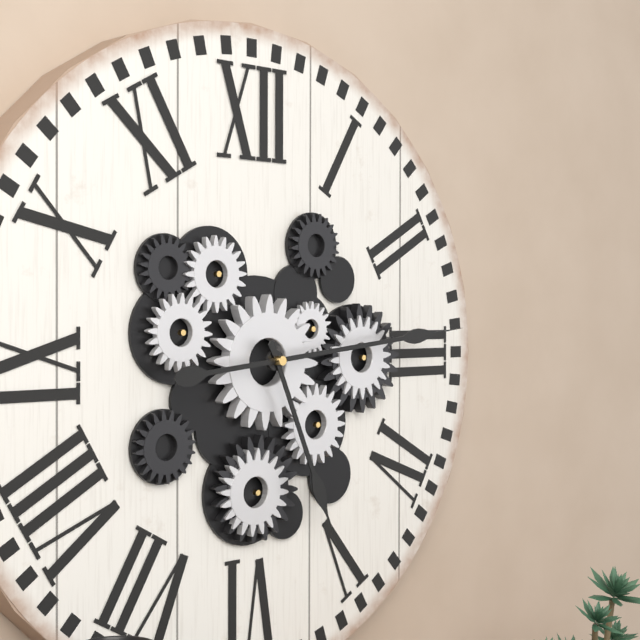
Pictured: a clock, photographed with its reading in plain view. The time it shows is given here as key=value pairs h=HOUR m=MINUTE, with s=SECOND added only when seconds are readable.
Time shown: h=5 m=14
